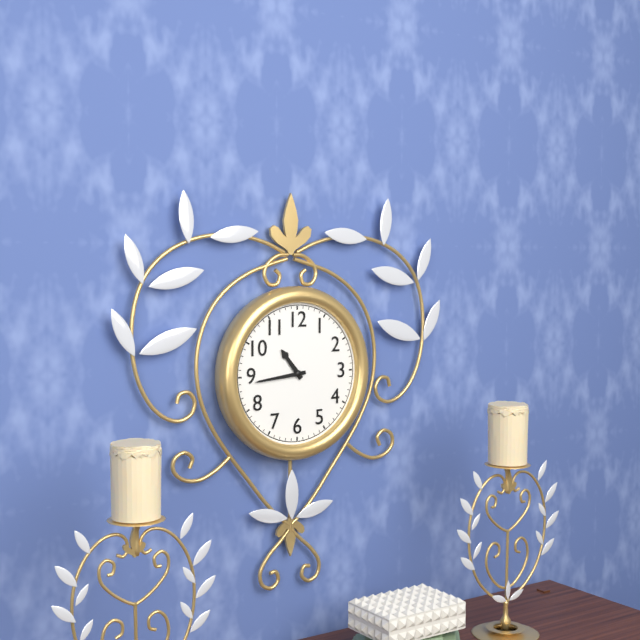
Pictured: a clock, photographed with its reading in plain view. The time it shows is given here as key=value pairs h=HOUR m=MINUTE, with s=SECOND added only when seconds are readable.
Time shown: h=10 m=44
